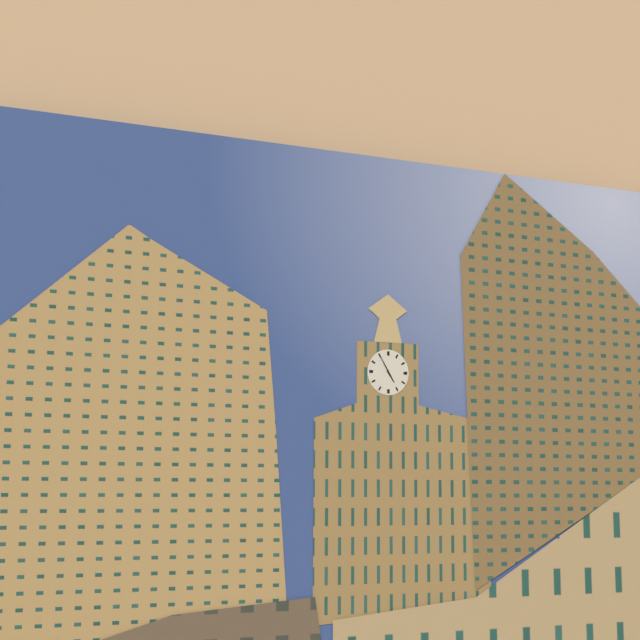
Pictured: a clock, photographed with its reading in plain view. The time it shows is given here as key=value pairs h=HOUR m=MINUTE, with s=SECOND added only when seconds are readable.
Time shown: h=4 m=55
